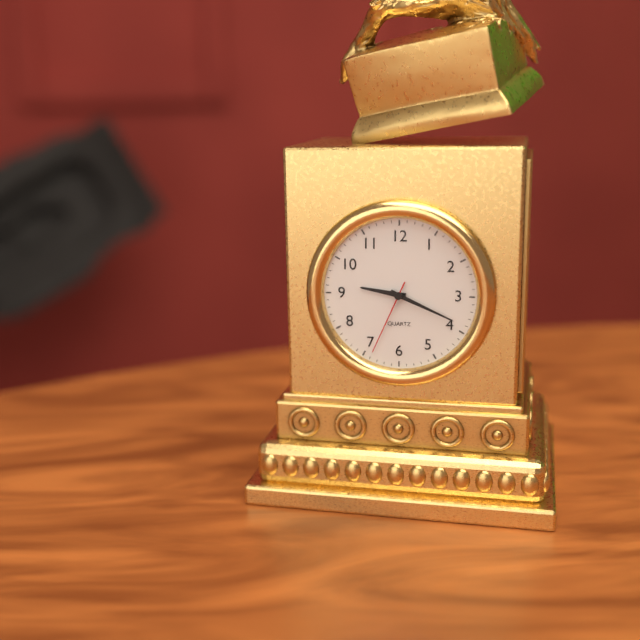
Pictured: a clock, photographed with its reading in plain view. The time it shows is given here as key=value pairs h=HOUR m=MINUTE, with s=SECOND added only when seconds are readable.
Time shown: h=9 m=19 s=34
